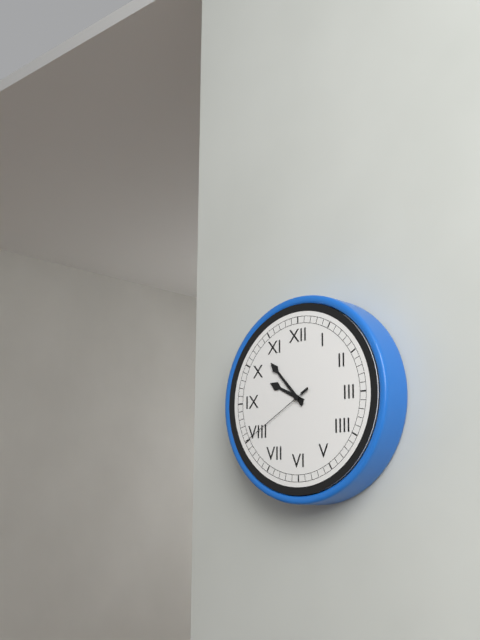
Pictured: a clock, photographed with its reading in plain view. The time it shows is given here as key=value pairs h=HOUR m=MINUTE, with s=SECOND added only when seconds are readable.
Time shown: h=9 m=53 s=40
